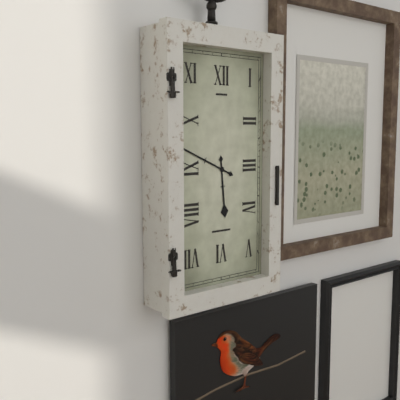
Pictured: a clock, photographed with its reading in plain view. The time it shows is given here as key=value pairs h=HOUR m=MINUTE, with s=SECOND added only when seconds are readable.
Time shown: h=5 m=49
